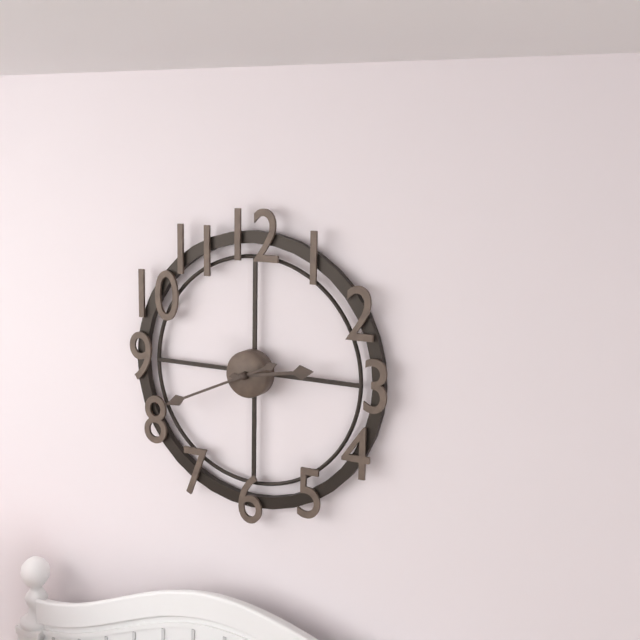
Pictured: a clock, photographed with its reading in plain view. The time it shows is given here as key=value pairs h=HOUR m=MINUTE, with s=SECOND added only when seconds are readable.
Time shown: h=2 m=41
